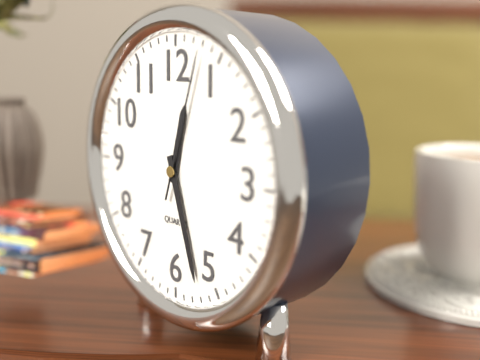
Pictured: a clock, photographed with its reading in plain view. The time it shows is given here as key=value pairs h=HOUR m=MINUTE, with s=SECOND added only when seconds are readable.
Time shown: h=12 m=27 s=3
